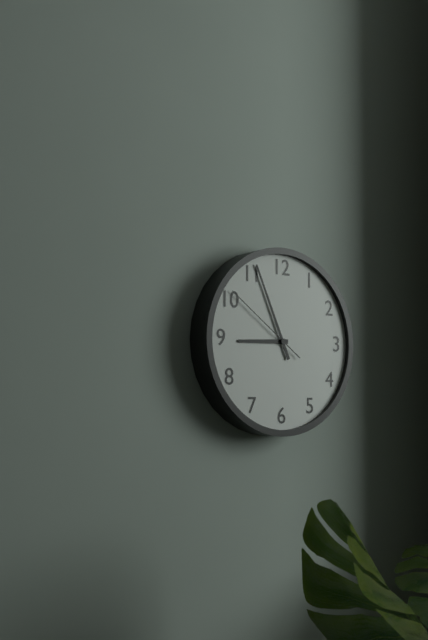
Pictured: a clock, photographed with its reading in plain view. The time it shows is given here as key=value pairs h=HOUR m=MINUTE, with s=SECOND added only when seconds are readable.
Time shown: h=8 m=56 s=51
